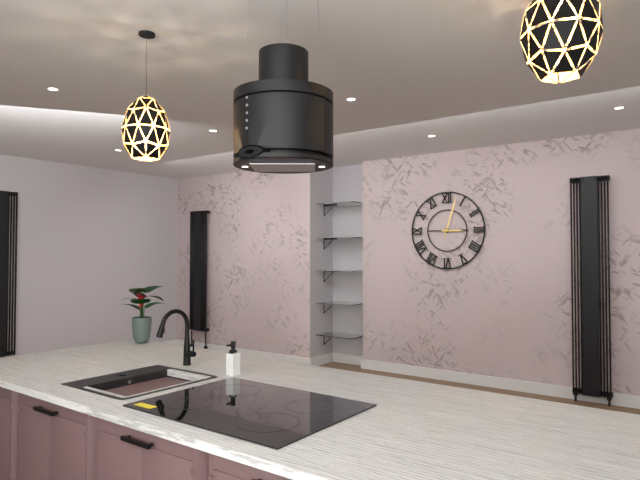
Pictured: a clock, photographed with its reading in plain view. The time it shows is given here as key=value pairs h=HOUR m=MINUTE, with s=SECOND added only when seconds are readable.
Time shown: h=3 m=3
